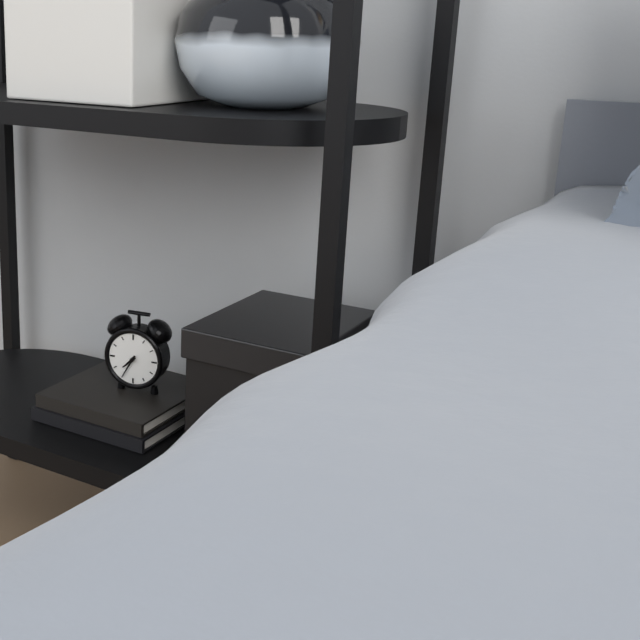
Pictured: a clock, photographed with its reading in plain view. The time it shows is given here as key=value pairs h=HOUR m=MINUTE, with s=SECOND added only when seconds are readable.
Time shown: h=7 m=35
